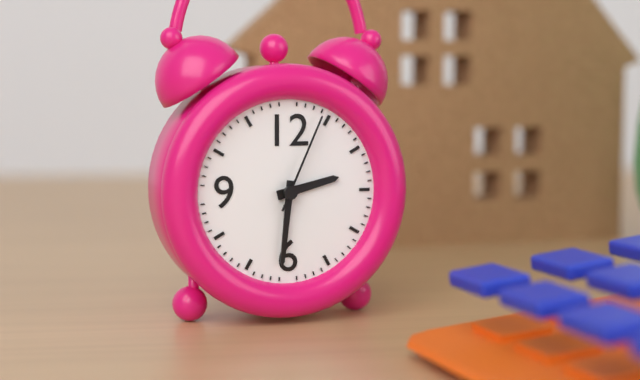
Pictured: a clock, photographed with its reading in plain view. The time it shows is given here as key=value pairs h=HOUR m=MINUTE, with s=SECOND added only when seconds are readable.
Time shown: h=2 m=31 s=4
